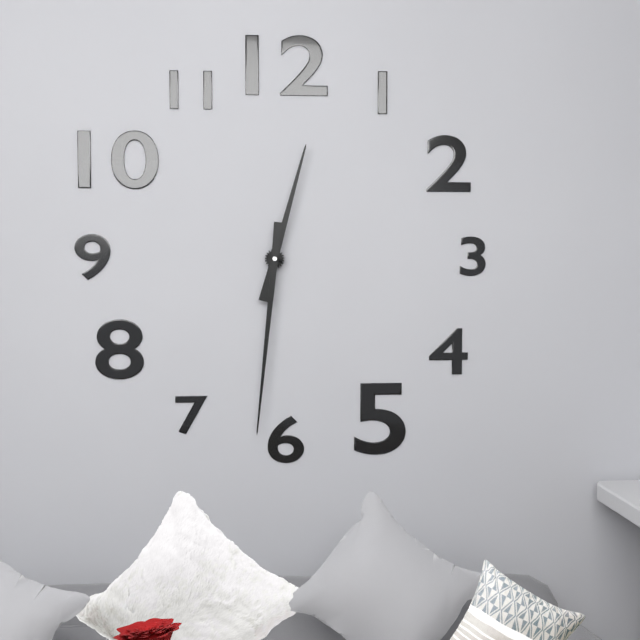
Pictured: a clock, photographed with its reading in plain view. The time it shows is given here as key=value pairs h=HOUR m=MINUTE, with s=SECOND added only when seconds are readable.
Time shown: h=12 m=31
